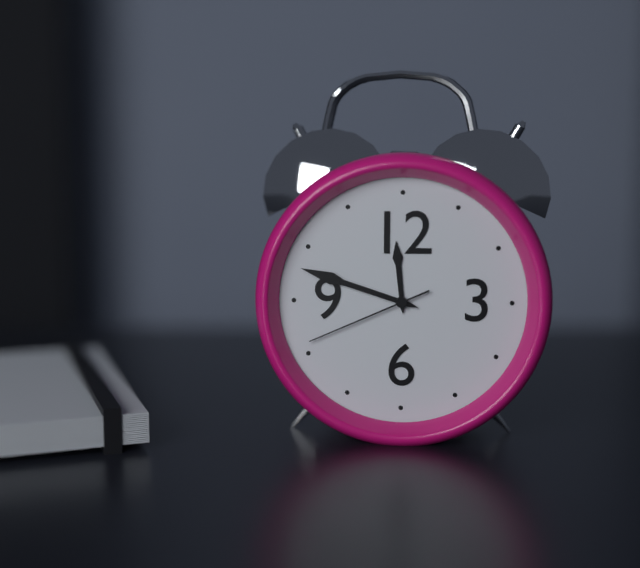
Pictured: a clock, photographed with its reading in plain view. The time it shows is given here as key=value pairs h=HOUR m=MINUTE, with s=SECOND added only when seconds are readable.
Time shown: h=11 m=48 s=41
